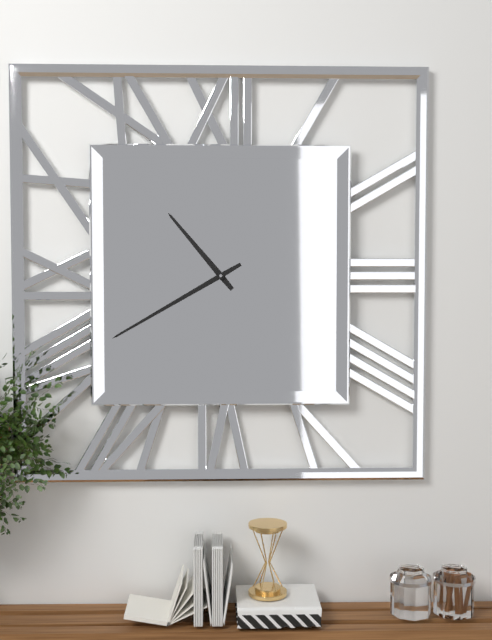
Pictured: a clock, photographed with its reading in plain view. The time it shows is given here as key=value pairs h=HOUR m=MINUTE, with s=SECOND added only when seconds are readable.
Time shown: h=10 m=40
